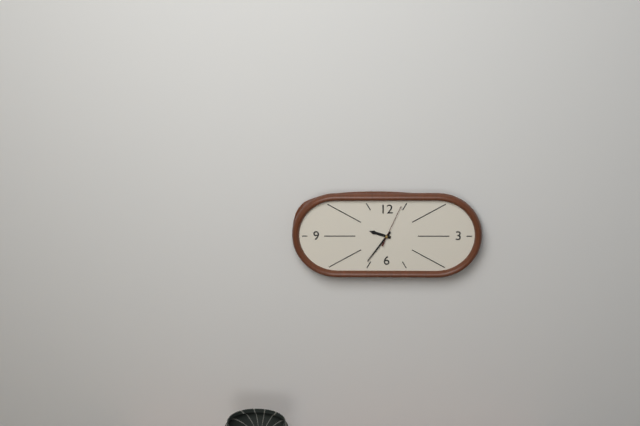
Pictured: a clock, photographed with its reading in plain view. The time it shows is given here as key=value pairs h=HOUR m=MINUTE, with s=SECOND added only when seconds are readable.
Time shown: h=9 m=36
